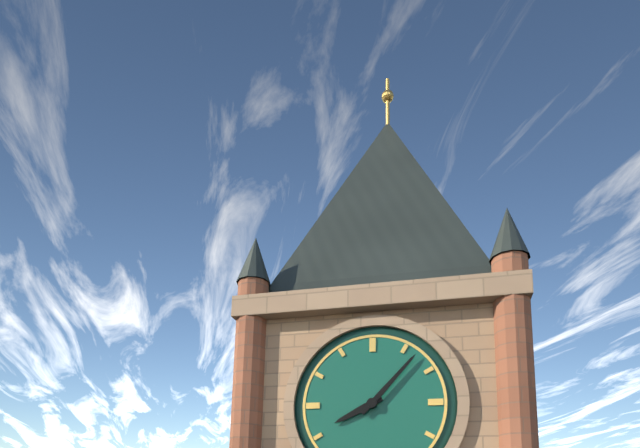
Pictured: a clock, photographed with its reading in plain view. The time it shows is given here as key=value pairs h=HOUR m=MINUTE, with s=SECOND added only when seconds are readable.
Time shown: h=8 m=7
